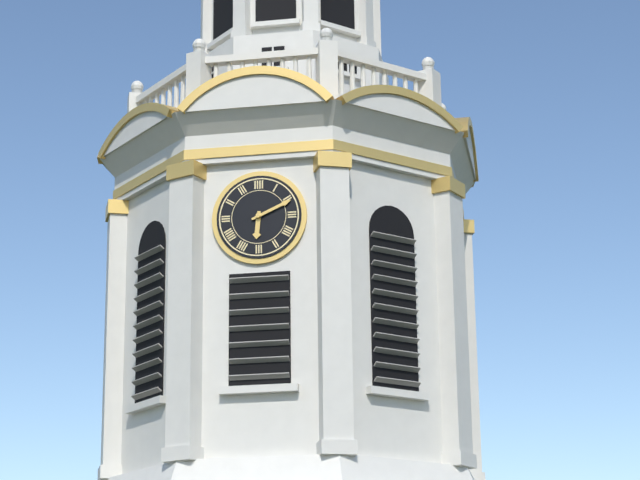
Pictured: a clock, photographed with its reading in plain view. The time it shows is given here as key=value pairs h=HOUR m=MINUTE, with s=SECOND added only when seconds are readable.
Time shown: h=6 m=11
